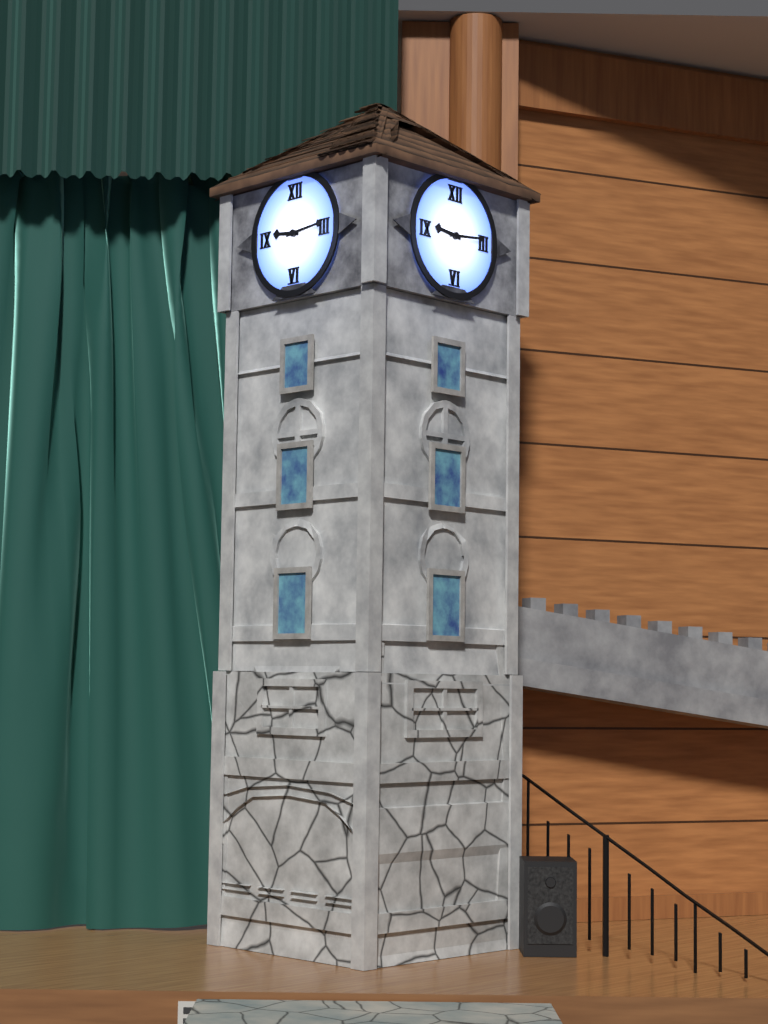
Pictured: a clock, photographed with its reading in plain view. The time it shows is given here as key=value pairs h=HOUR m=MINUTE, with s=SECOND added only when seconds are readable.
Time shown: h=9 m=14
